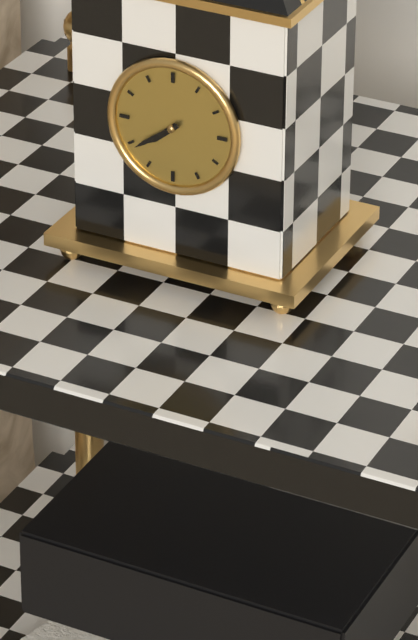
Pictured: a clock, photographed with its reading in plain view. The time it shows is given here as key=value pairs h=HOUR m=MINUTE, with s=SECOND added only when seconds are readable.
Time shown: h=7 m=39
